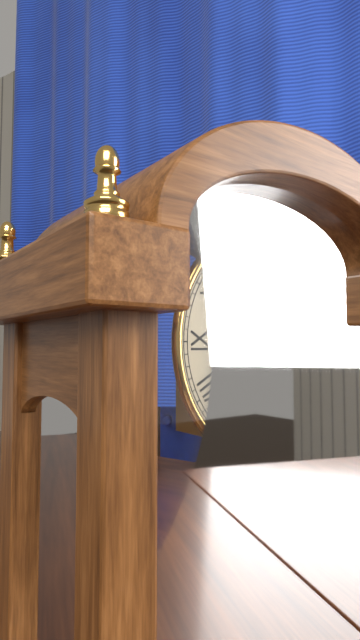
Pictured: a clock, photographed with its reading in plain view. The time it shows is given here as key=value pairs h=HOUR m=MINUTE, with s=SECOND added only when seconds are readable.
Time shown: h=4 m=3
